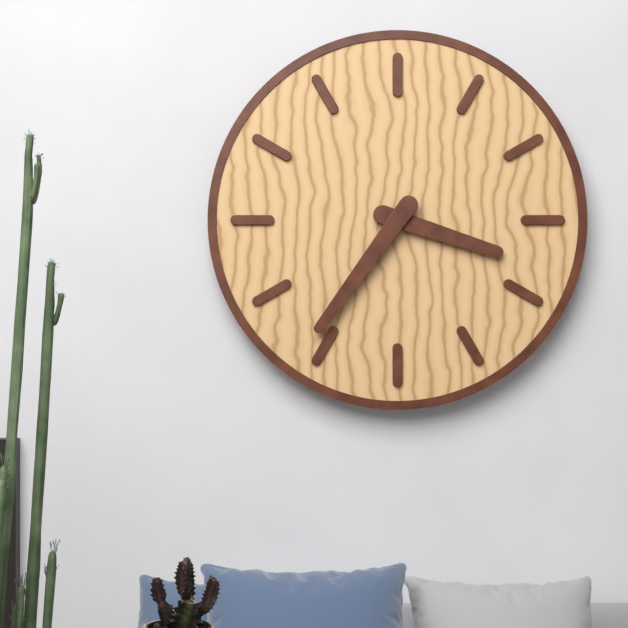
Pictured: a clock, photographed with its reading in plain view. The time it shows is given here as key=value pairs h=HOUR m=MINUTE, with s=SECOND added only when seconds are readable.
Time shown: h=3 m=36
